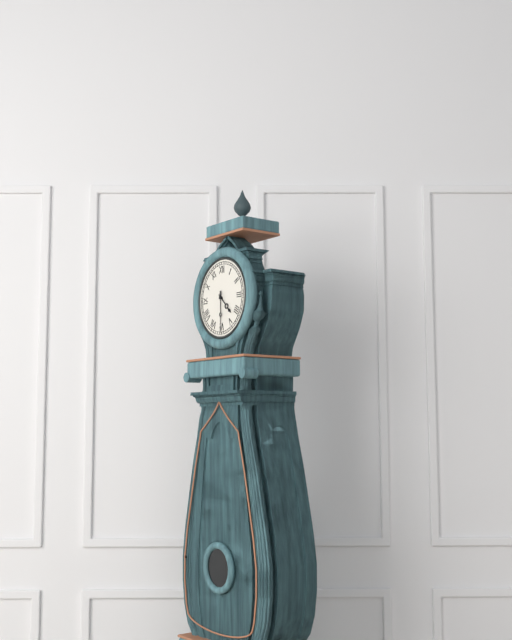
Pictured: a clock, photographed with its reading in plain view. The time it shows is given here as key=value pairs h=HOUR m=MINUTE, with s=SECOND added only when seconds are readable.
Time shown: h=4 m=30
